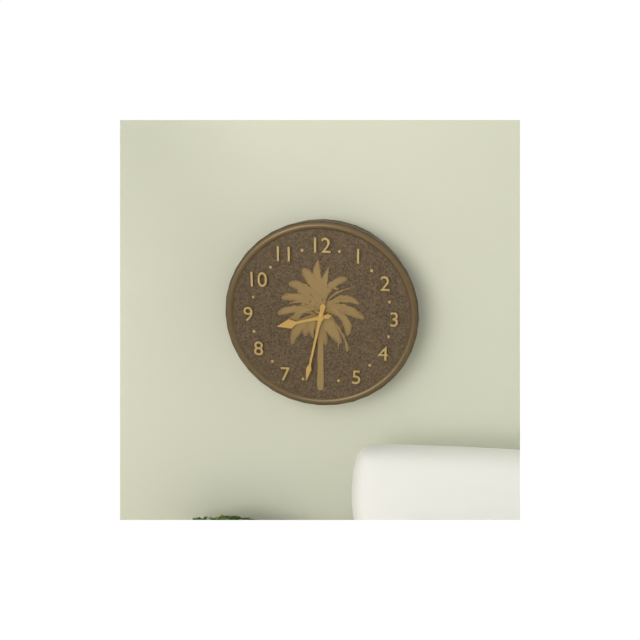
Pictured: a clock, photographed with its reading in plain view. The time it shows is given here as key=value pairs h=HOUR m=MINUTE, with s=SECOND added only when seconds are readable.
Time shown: h=8 m=32
